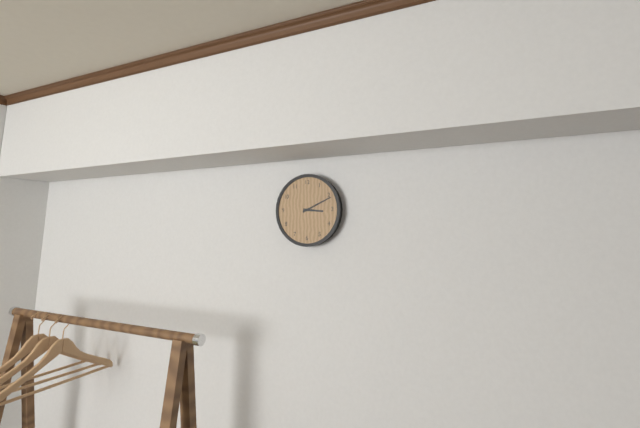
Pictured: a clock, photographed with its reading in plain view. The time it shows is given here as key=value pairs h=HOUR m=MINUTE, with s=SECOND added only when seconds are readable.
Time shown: h=3 m=11
